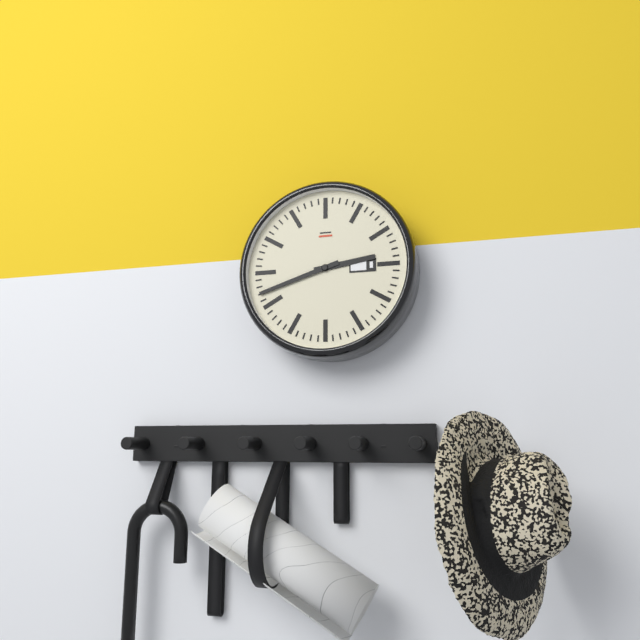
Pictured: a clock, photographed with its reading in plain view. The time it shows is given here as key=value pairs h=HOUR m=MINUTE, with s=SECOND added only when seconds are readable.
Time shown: h=2 m=42
